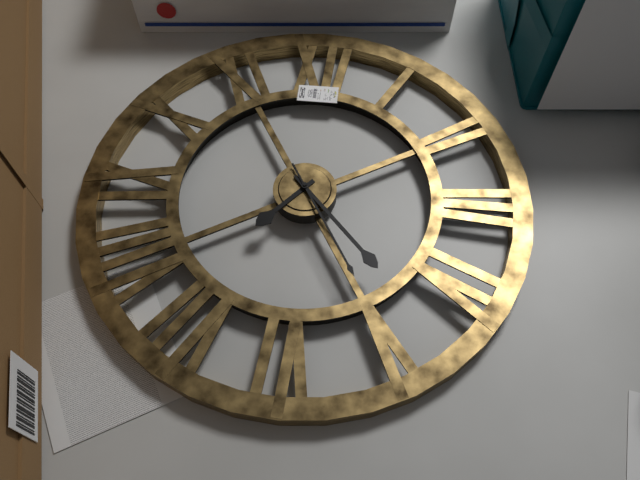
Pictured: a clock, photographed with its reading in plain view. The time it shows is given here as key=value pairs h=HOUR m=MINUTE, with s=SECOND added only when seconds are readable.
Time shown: h=7 m=23 s=25
